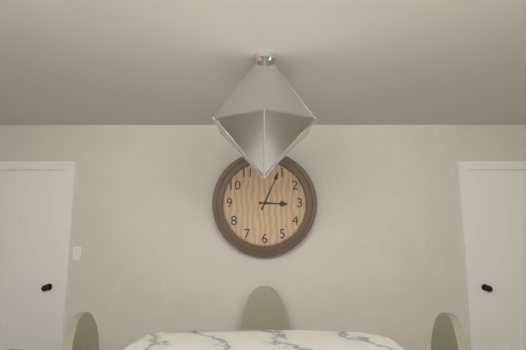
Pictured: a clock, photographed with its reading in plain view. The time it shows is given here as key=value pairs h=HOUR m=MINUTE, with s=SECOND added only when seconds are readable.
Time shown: h=3 m=4
